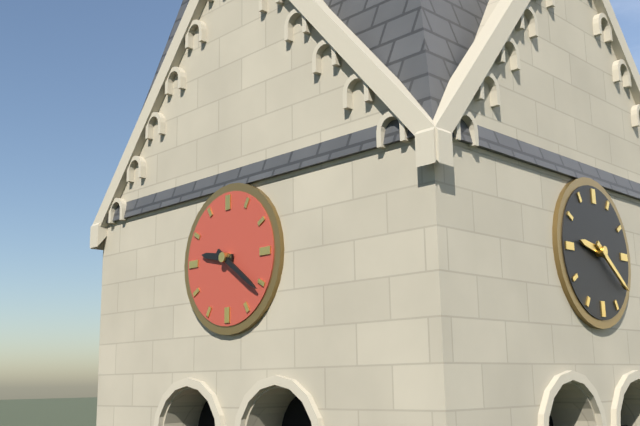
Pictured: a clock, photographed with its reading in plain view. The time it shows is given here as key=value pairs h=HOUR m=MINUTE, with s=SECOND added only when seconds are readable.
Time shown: h=9 m=21
